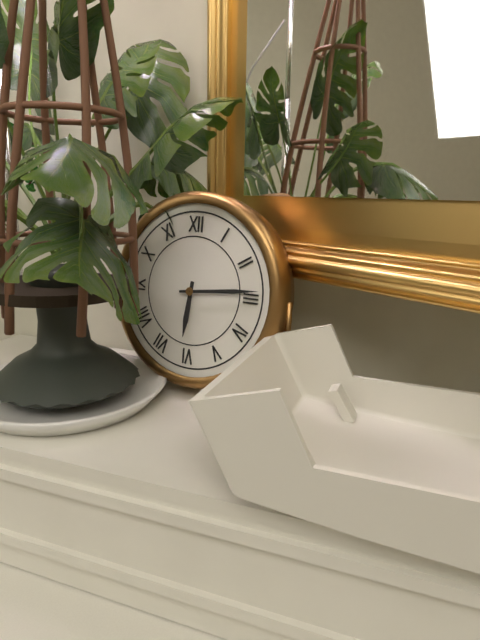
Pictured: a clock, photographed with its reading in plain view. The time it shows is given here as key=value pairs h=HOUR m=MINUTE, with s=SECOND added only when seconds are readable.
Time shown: h=6 m=14
